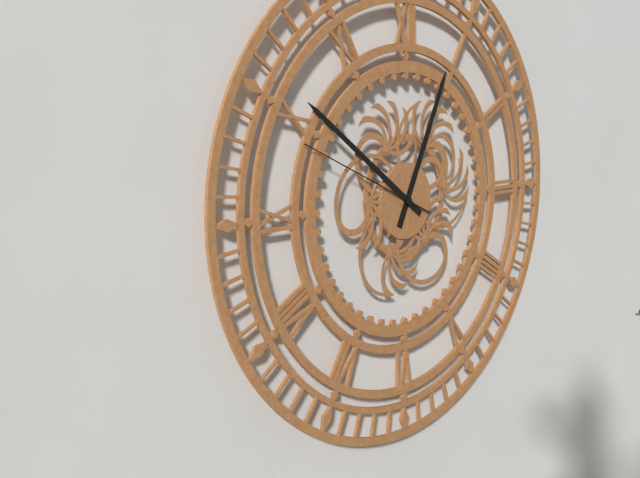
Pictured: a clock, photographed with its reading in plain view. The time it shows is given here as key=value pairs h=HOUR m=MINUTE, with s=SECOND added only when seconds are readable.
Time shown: h=12 m=51 s=49
